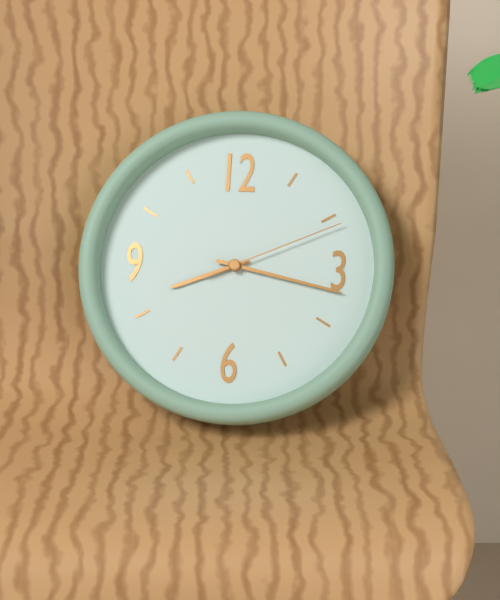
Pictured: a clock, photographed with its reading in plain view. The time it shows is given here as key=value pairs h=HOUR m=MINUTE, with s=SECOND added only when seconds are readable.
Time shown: h=8 m=17 s=11
